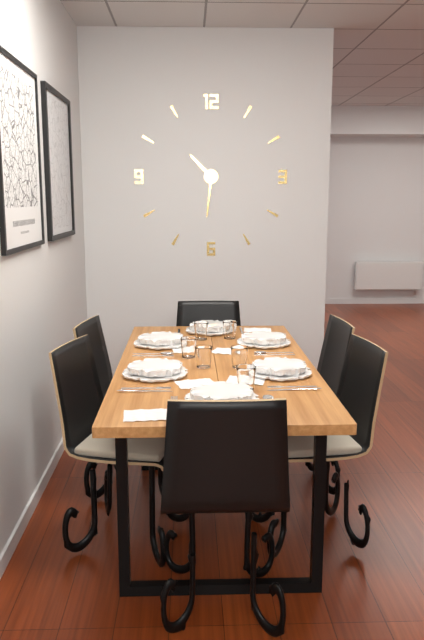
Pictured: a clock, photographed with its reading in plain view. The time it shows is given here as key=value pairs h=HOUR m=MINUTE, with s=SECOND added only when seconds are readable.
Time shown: h=10 m=31
